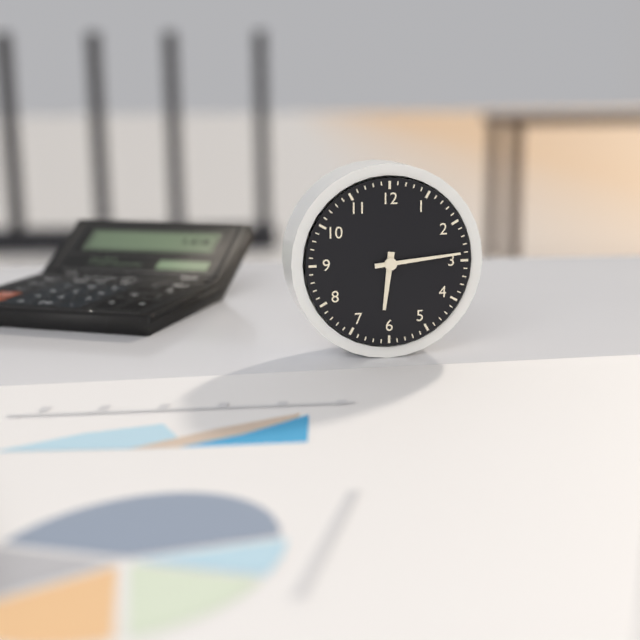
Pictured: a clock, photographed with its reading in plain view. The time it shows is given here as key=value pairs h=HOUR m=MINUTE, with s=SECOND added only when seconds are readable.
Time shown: h=6 m=14
